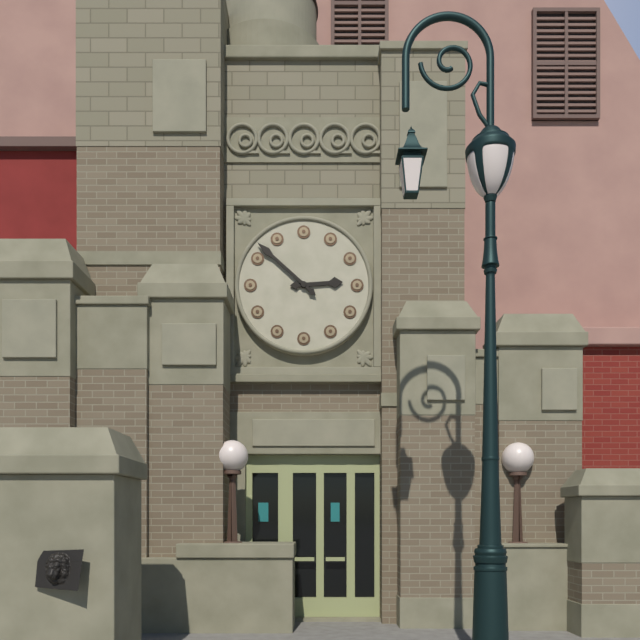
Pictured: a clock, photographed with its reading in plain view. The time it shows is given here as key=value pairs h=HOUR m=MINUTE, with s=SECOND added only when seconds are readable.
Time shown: h=2 m=52
